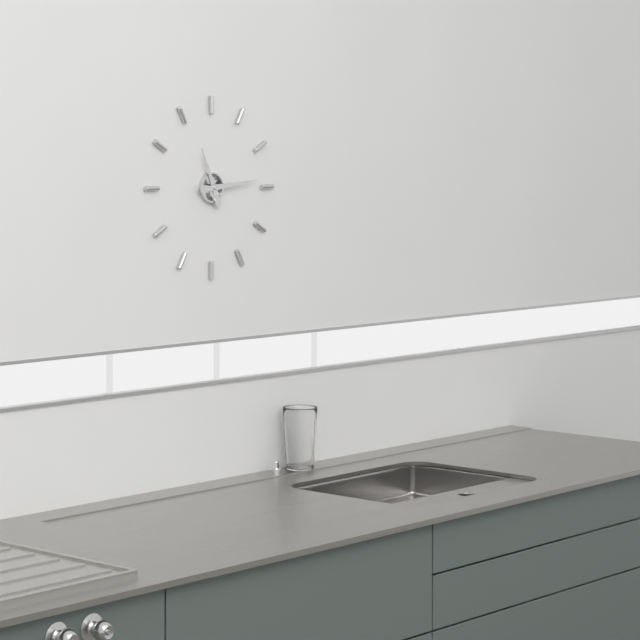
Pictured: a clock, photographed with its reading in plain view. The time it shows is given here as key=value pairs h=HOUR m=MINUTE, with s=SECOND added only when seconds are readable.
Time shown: h=11 m=14
